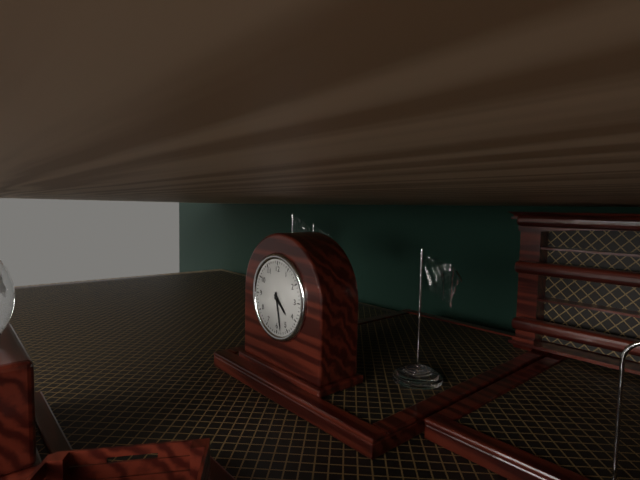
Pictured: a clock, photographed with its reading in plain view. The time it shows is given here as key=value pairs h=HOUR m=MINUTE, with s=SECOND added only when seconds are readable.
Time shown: h=4 m=28
